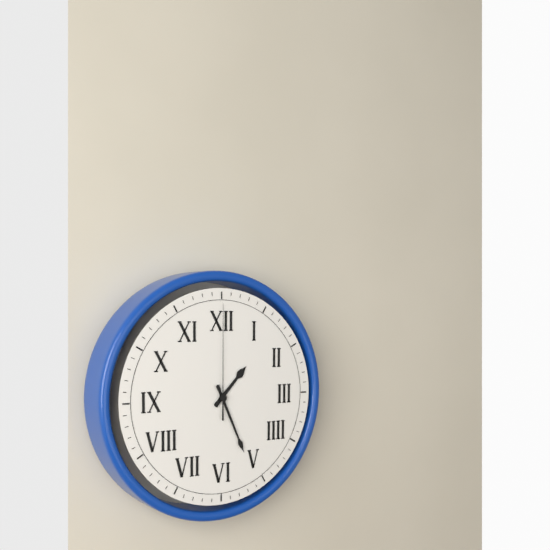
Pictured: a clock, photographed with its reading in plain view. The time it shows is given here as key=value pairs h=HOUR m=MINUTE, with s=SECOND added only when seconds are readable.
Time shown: h=1 m=26 s=0
